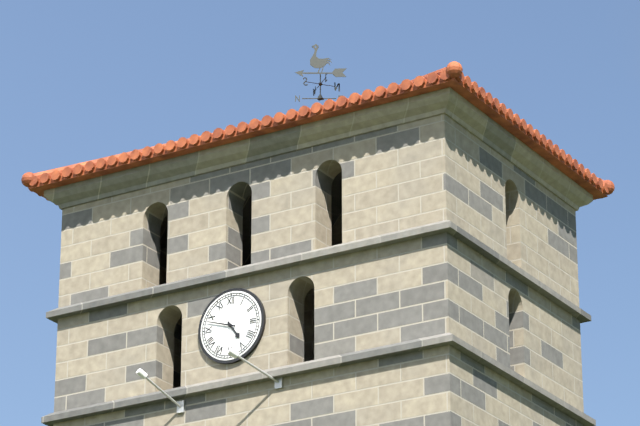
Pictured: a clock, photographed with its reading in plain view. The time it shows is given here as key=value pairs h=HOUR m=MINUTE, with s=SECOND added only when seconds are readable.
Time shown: h=4 m=48
